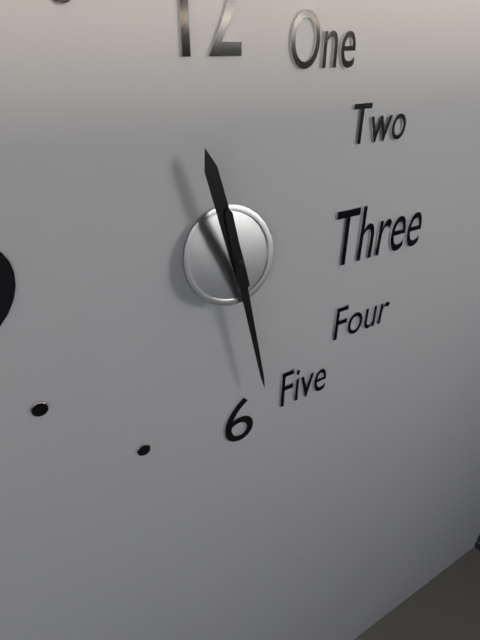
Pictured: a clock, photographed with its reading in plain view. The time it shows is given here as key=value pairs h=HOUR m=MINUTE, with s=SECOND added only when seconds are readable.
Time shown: h=11 m=28
